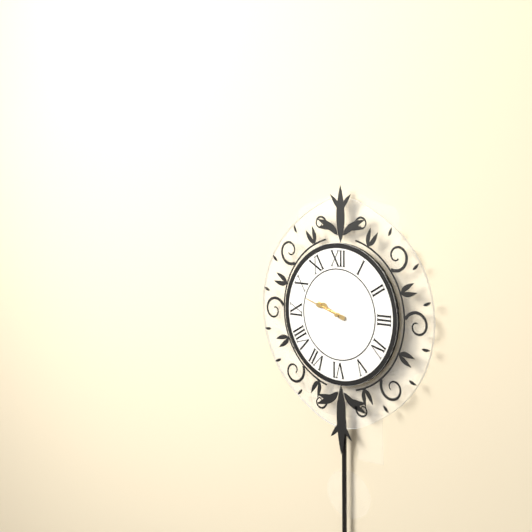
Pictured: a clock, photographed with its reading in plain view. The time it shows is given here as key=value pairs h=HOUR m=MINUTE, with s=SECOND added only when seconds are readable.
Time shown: h=9 m=48
